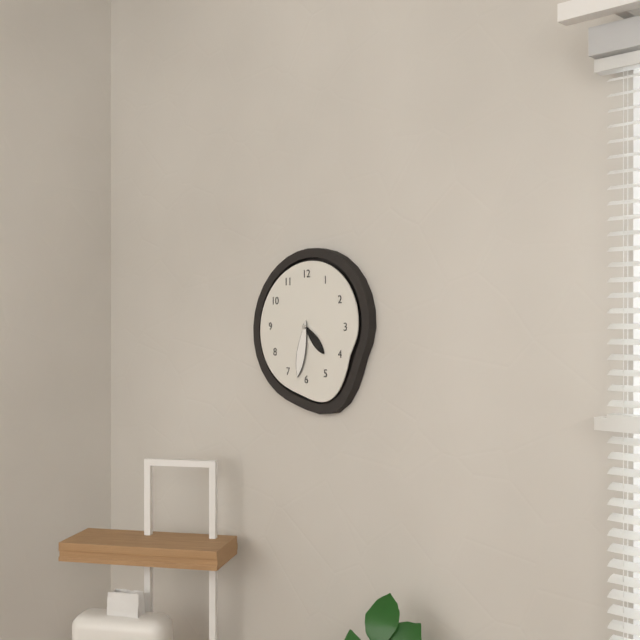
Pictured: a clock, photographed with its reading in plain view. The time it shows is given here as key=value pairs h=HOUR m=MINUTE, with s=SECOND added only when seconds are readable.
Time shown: h=4 m=32
